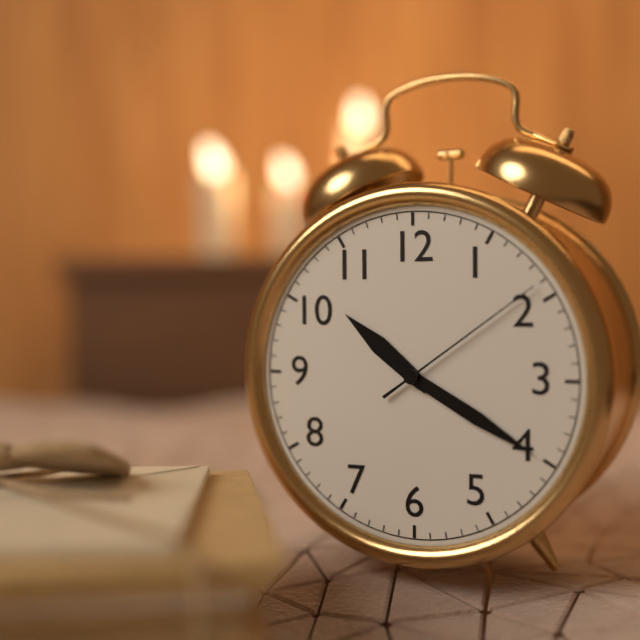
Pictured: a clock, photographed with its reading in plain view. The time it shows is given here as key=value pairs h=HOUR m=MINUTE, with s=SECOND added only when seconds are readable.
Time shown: h=10 m=20 s=9
